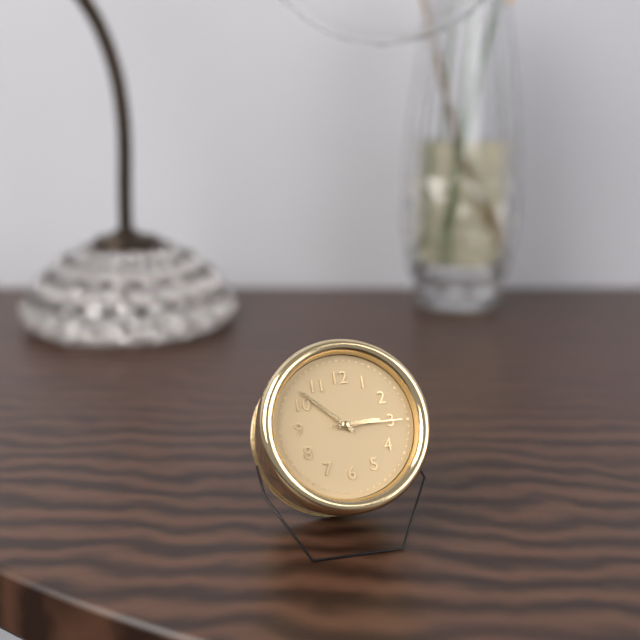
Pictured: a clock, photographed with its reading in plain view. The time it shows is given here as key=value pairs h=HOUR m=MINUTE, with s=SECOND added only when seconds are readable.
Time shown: h=2 m=52 s=15
